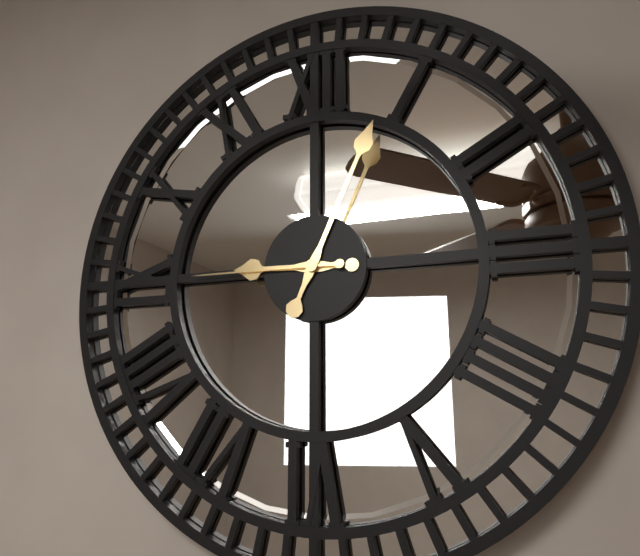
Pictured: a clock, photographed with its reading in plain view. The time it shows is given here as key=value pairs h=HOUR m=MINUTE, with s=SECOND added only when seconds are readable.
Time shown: h=9 m=4 s=45
